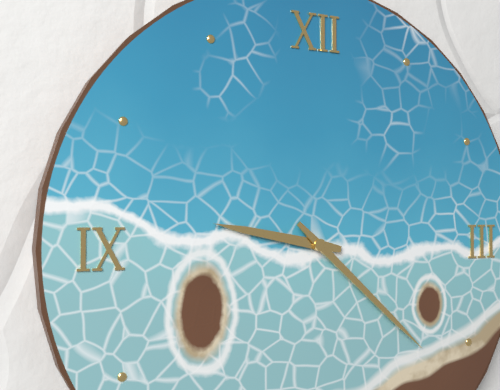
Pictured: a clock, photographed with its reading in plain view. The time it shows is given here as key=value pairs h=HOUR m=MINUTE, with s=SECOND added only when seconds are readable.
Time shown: h=9 m=22
